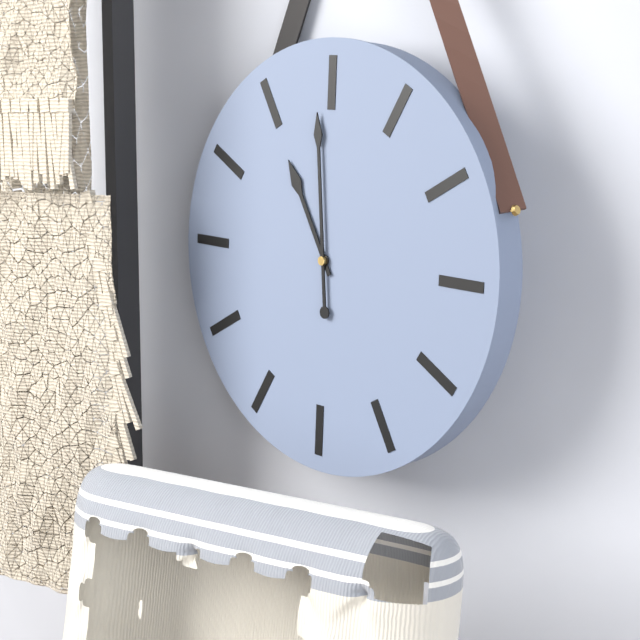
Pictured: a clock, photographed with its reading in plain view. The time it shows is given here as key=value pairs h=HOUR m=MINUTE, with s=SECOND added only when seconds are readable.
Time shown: h=10 m=59
